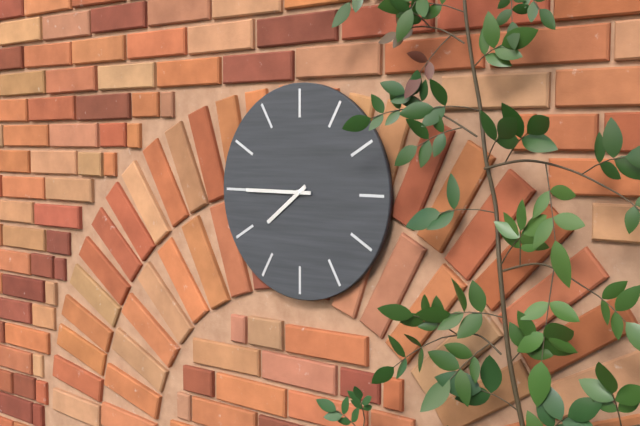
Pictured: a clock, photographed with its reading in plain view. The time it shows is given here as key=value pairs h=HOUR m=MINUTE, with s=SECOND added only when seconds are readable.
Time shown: h=7 m=45
